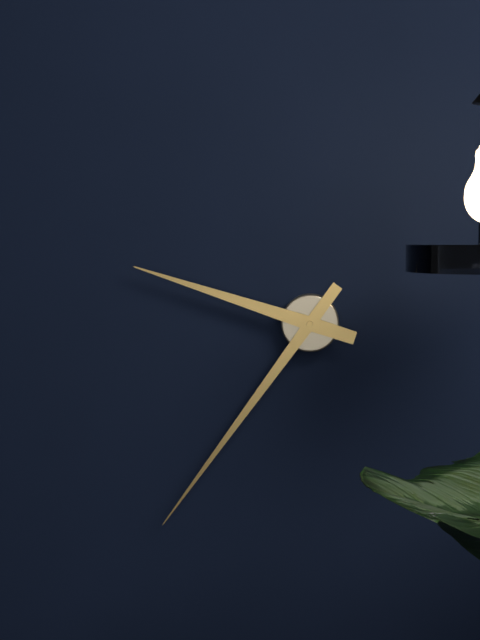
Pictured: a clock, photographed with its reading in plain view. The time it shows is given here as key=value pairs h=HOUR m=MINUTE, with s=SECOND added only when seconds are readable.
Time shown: h=9 m=36
